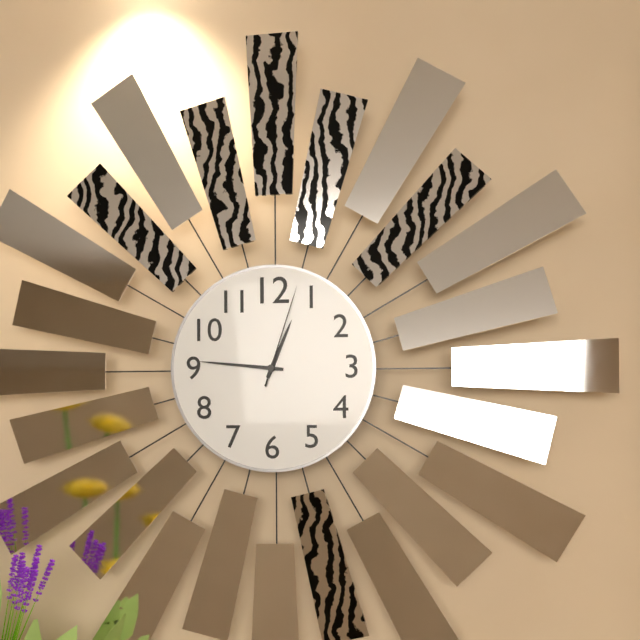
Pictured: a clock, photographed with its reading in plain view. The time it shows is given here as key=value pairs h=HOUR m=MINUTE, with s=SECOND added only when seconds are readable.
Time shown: h=12 m=46 s=3
